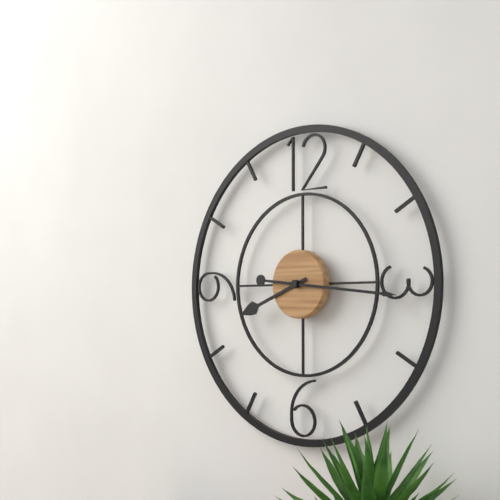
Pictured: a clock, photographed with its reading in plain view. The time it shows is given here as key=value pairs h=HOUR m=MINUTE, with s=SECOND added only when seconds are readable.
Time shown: h=8 m=16
